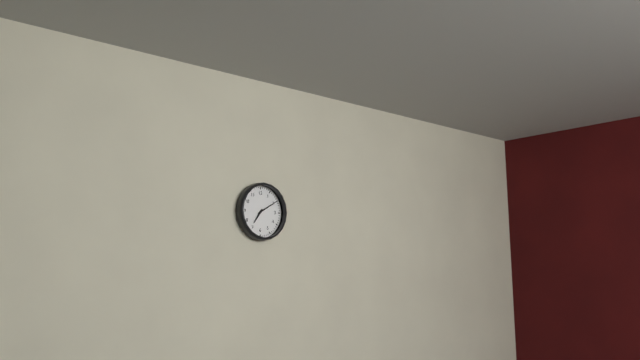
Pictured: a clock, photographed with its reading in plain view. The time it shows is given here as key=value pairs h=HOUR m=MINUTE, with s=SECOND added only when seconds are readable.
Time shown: h=7 m=10
